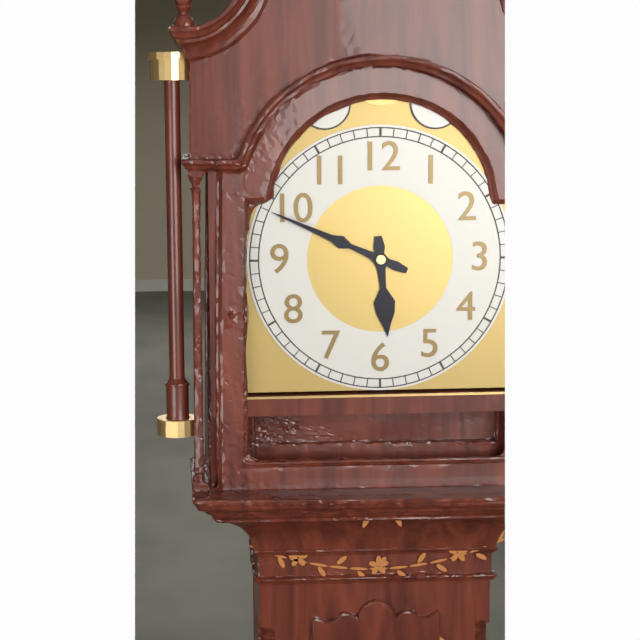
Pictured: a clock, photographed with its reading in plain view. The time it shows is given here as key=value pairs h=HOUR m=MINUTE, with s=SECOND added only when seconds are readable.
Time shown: h=5 m=49
